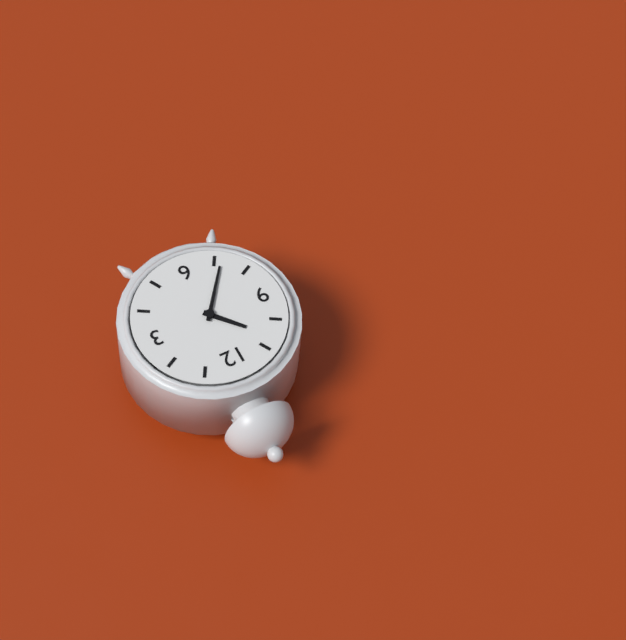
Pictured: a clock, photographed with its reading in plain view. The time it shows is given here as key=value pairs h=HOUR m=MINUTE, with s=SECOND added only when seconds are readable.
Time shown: h=10 m=36
